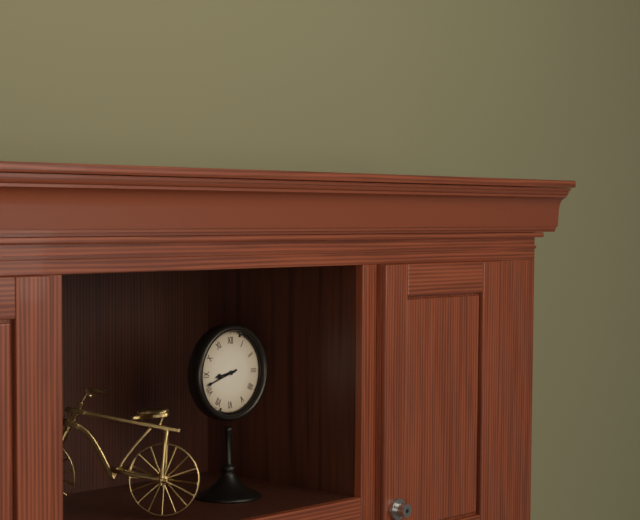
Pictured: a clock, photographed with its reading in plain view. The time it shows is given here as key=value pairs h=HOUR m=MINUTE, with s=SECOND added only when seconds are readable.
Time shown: h=8 m=42
